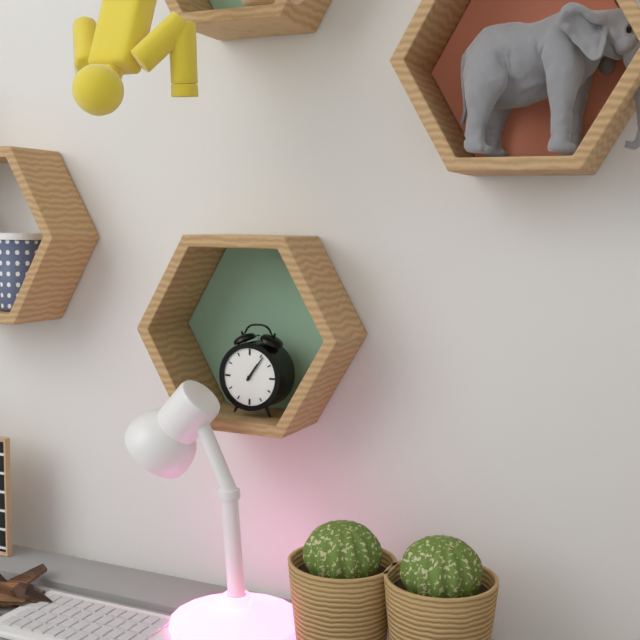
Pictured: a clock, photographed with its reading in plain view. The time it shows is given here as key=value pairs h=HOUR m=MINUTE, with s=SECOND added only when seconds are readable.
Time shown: h=1 m=6
